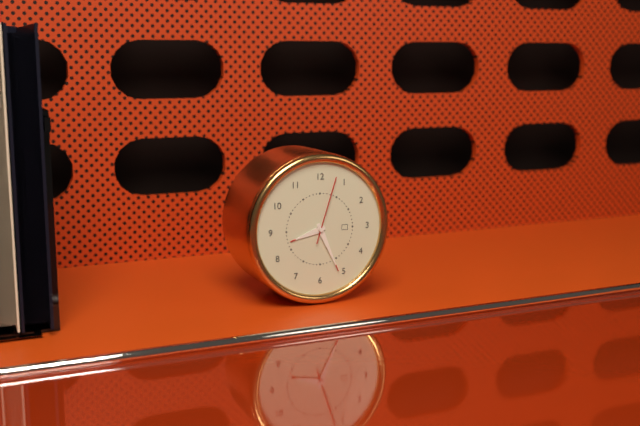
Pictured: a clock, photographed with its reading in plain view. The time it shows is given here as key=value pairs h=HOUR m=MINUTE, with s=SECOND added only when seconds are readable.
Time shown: h=8 m=26 s=3
